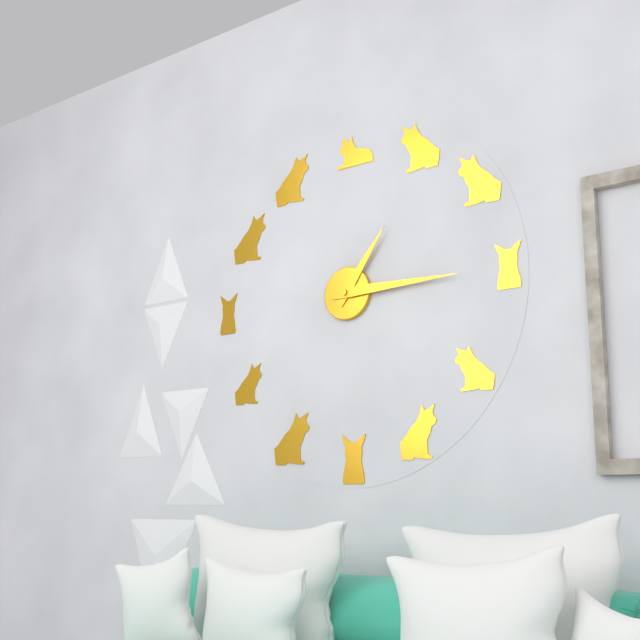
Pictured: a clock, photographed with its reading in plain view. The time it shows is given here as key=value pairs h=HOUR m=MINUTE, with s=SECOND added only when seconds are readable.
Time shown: h=1 m=15
